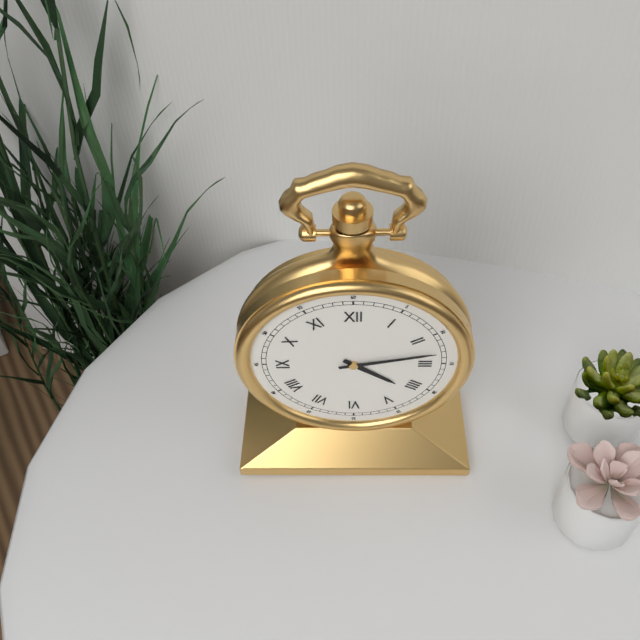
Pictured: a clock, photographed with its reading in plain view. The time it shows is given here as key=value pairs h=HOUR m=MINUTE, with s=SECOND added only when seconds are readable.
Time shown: h=4 m=13
